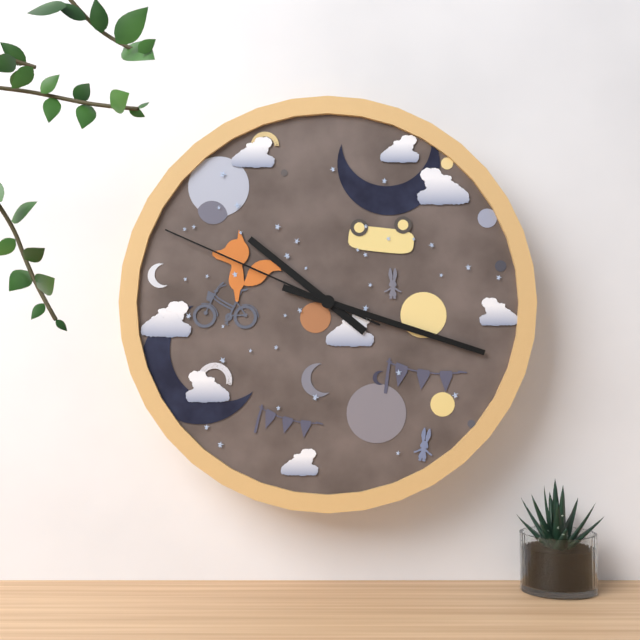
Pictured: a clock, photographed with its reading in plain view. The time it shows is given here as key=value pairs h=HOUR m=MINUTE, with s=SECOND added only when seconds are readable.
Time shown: h=10 m=18 s=49
